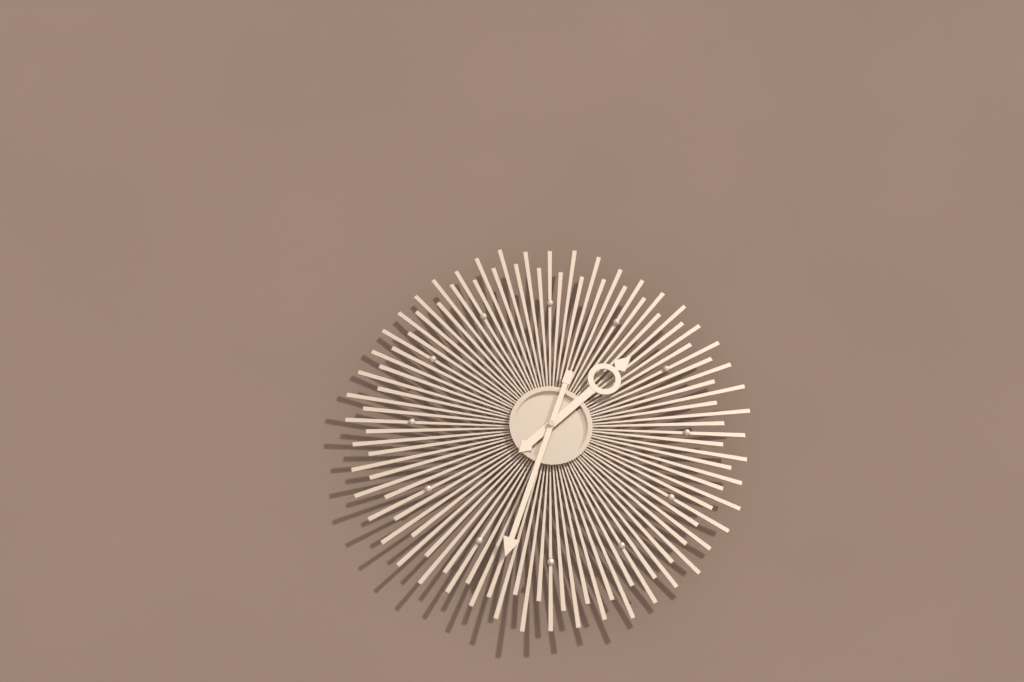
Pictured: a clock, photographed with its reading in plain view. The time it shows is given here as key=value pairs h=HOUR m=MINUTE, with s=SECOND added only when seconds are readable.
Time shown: h=1 m=33
